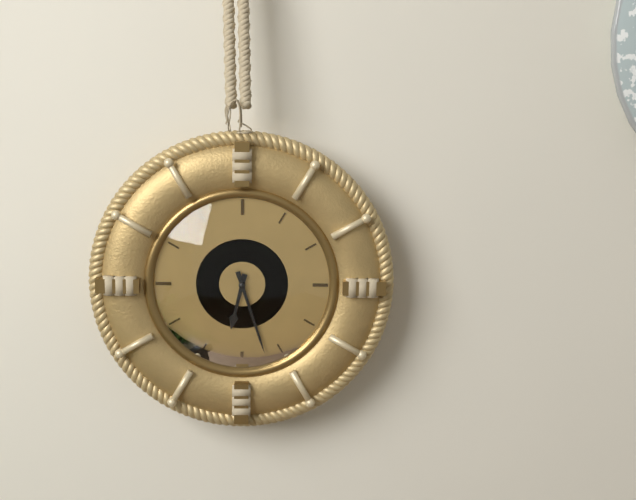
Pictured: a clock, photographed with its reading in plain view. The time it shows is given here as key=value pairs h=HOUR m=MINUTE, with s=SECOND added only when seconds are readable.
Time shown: h=6 m=27
